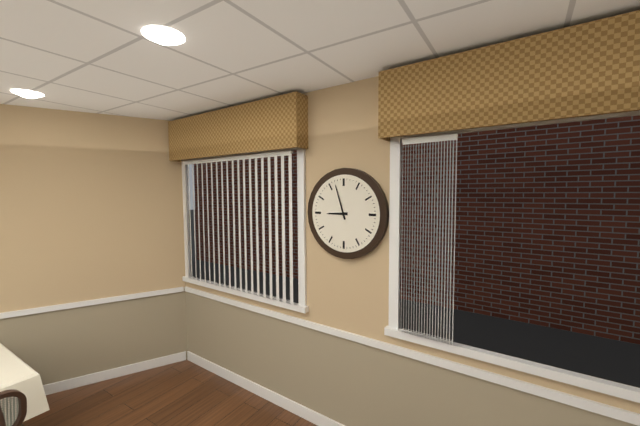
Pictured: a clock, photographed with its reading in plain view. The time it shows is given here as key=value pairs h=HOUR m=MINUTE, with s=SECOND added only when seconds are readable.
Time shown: h=8 m=57
